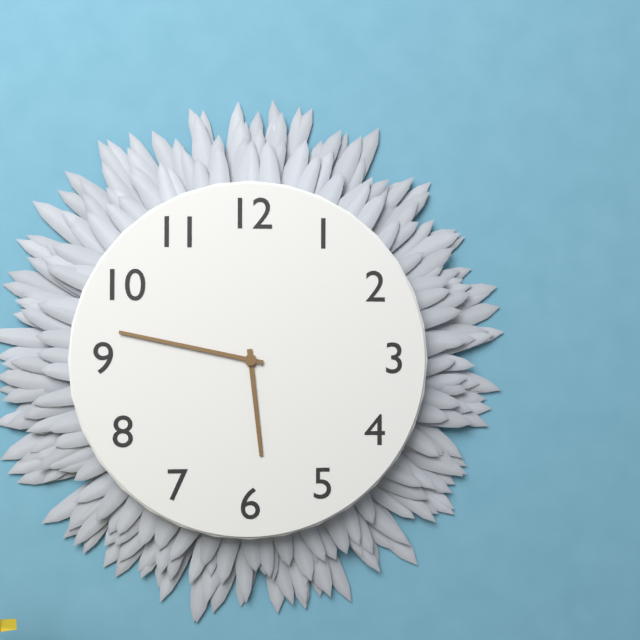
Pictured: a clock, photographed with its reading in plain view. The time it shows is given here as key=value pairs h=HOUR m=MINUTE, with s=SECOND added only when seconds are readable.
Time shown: h=5 m=47
